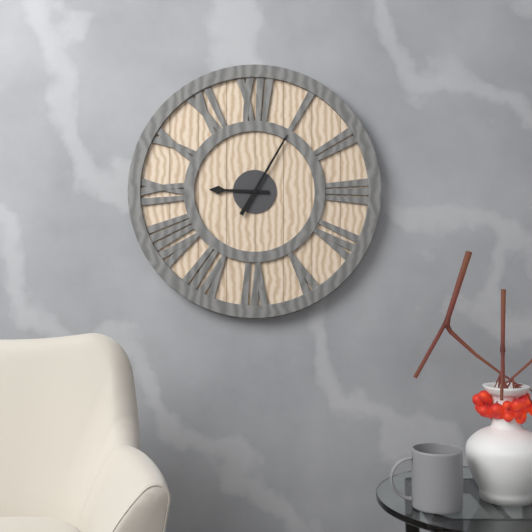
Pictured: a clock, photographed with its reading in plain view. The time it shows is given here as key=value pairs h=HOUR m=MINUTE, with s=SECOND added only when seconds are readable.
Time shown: h=9 m=5
